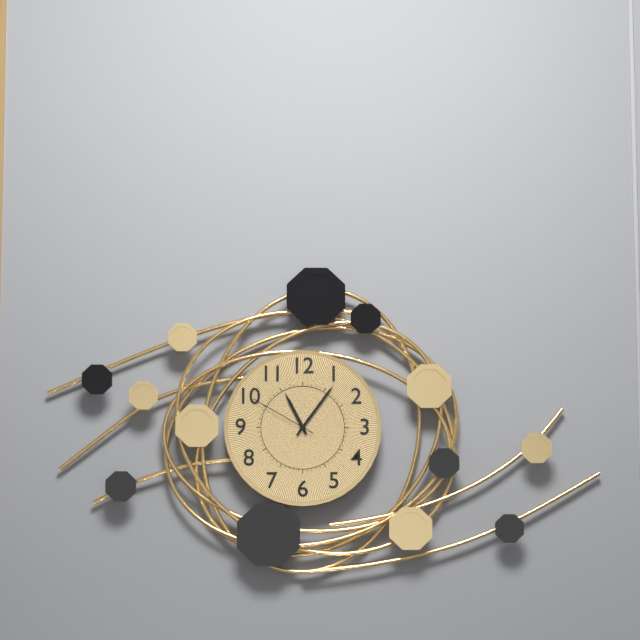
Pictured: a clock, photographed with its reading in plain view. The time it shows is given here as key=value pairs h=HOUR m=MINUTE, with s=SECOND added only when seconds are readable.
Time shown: h=11 m=6 s=50
